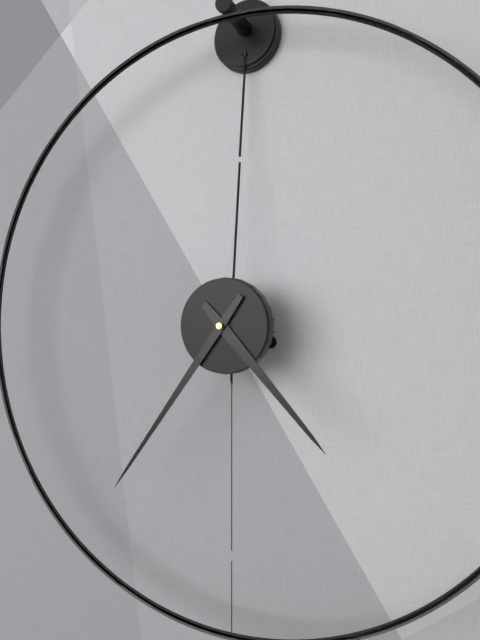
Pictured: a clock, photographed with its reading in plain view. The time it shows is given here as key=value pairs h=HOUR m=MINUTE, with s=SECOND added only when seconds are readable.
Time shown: h=4 m=36
